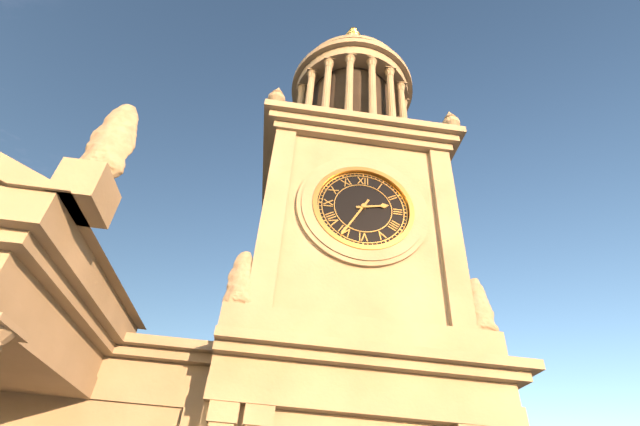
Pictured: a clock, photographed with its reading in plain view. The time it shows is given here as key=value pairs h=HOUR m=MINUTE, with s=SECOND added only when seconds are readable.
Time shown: h=2 m=35
